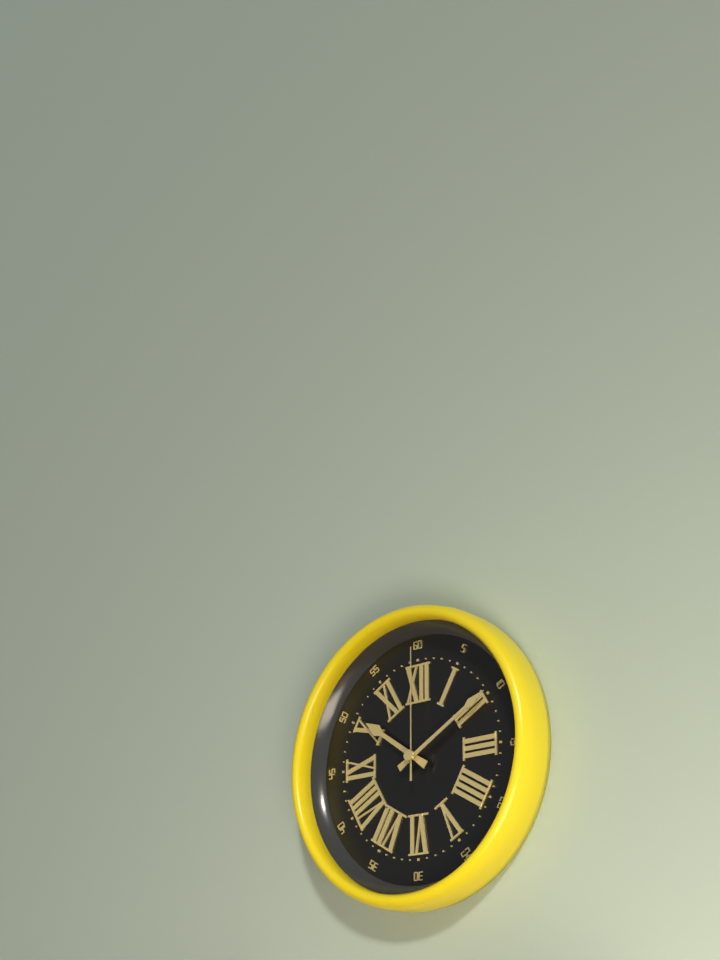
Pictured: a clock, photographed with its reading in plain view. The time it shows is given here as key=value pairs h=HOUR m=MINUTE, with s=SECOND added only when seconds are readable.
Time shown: h=10 m=10 s=0
